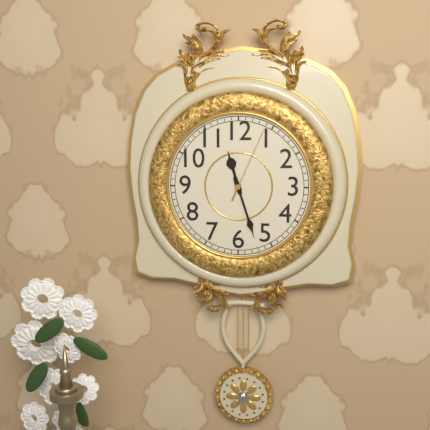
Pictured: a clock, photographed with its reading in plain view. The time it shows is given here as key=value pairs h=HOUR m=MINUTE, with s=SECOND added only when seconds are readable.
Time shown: h=11 m=27 s=4
